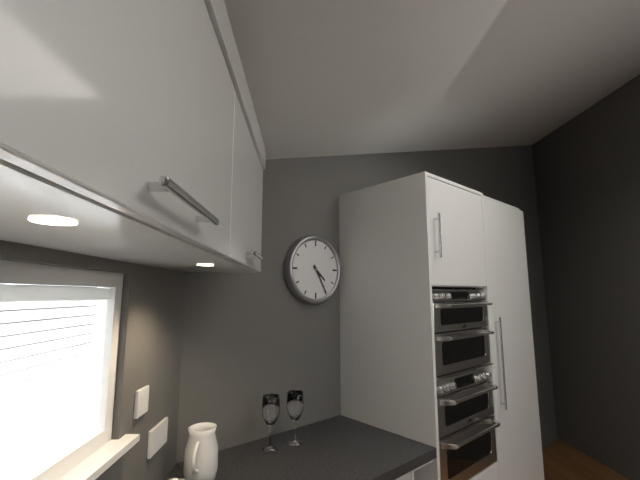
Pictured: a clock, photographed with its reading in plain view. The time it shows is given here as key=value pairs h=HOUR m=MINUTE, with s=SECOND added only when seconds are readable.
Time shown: h=4 m=25
